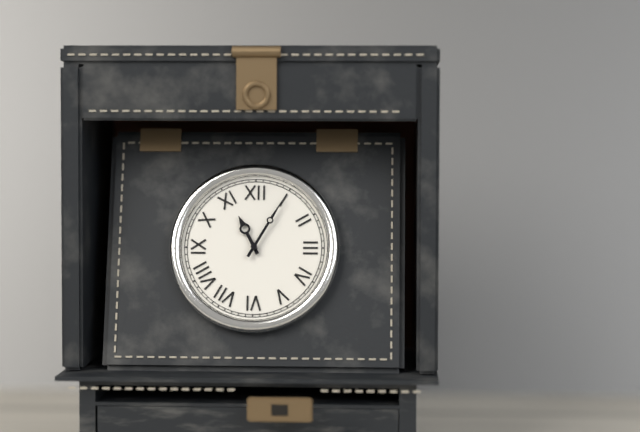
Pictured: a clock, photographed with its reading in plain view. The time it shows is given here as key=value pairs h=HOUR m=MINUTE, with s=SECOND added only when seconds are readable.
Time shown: h=11 m=5
